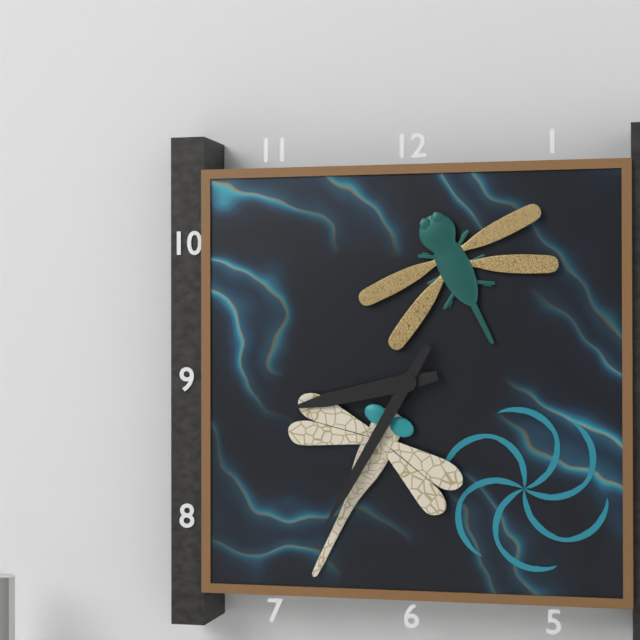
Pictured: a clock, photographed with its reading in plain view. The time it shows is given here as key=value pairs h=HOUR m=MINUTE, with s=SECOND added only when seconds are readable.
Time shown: h=8 m=35
